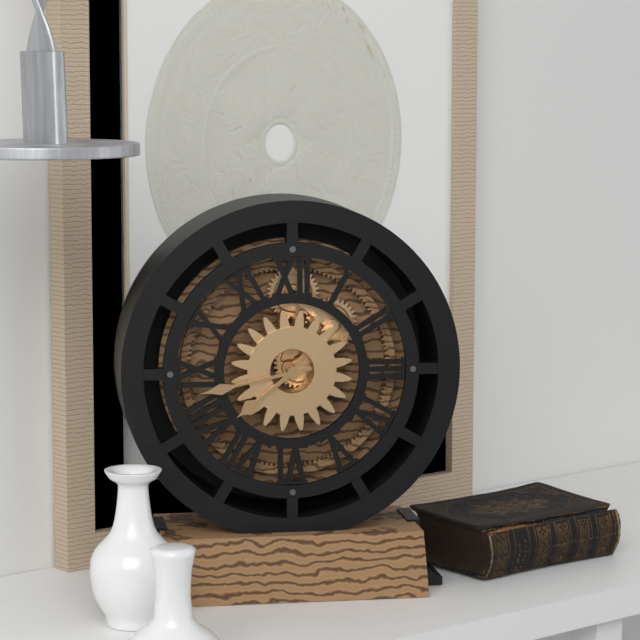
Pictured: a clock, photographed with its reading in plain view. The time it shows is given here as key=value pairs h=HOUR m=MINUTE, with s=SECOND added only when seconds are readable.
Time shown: h=7 m=43
